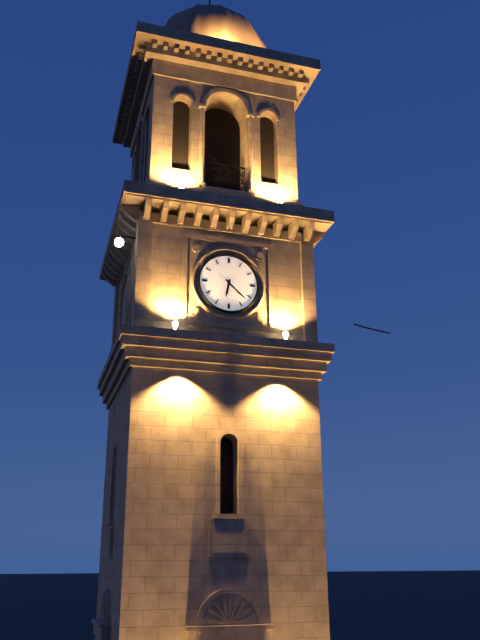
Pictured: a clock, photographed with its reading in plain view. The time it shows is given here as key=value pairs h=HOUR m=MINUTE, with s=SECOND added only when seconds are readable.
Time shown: h=6 m=22
